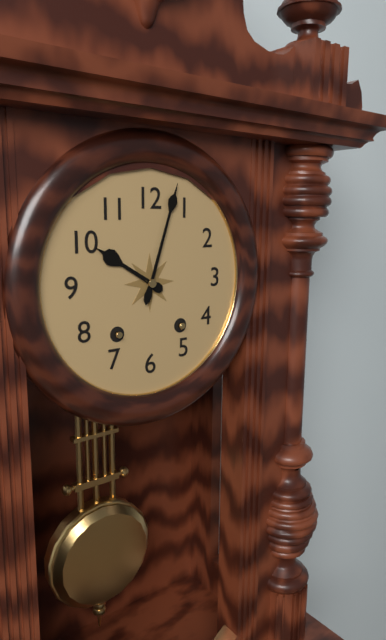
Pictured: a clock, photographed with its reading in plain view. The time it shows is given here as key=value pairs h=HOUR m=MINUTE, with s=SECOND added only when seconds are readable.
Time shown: h=10 m=3
